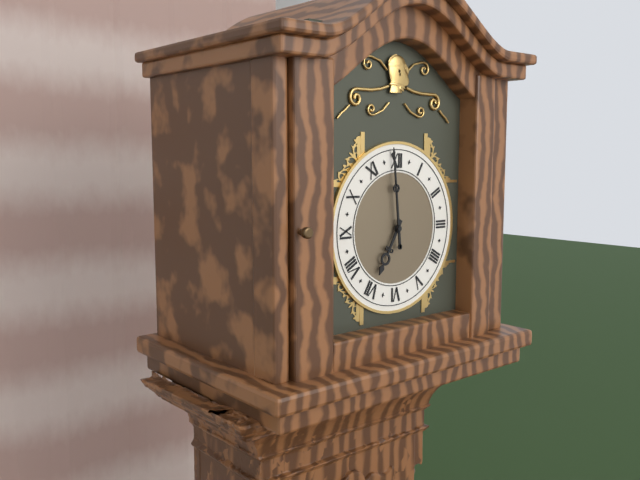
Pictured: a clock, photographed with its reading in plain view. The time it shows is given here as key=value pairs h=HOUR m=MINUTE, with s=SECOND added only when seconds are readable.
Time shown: h=6 m=59
